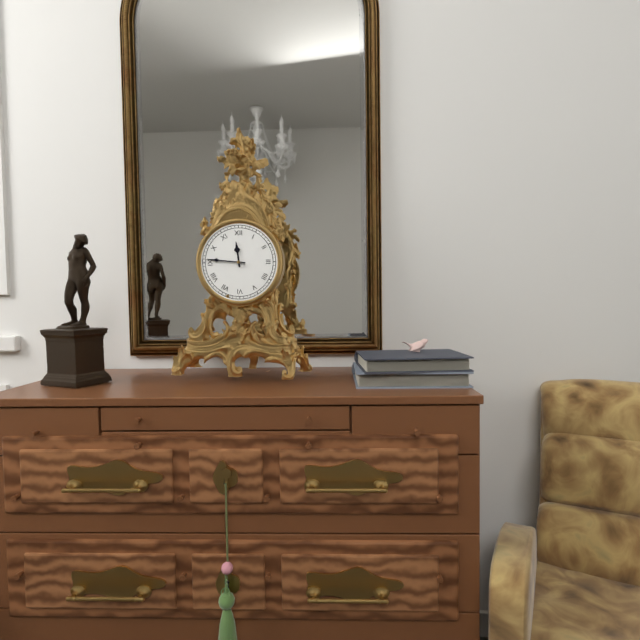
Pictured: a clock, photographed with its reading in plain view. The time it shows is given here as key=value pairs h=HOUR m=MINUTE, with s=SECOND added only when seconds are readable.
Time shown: h=11 m=46
